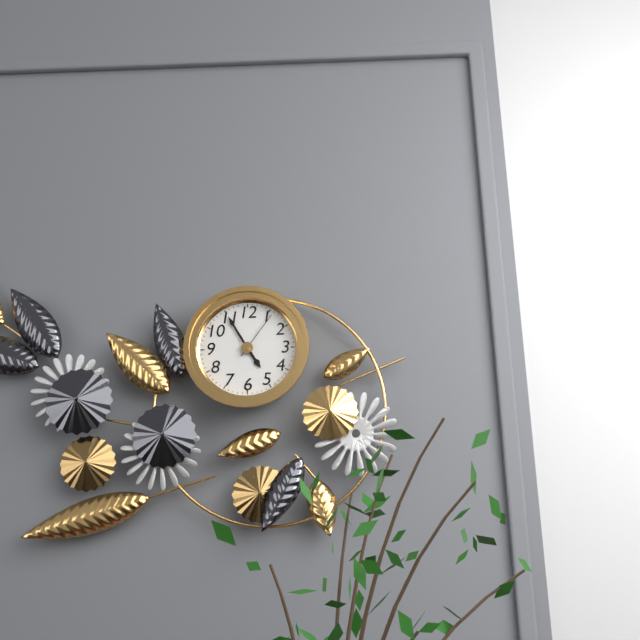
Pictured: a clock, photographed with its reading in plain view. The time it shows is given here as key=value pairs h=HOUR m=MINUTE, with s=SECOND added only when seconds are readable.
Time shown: h=4 m=55 s=6
